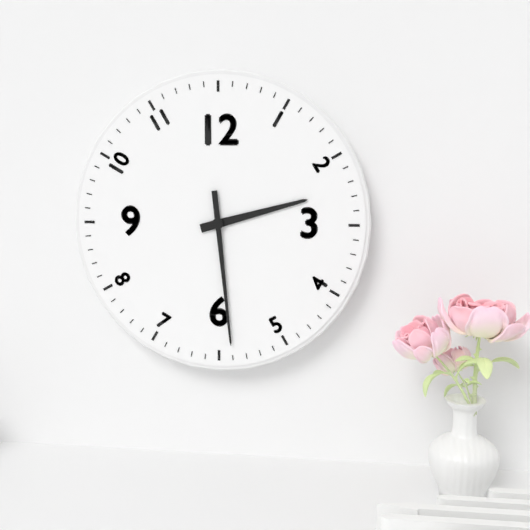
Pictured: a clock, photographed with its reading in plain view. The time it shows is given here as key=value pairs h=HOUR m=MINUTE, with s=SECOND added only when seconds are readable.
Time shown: h=2 m=29
